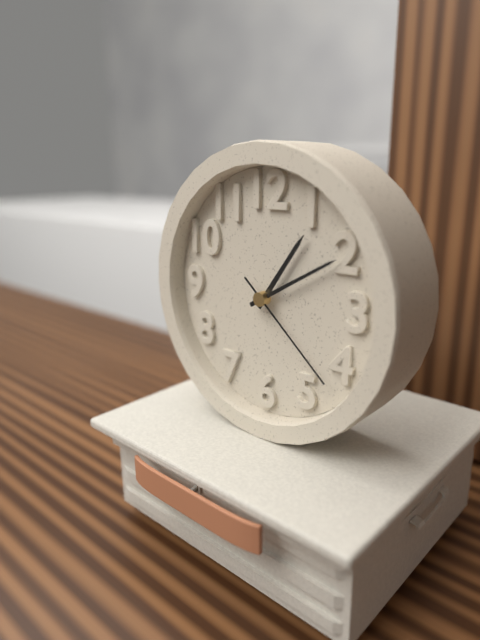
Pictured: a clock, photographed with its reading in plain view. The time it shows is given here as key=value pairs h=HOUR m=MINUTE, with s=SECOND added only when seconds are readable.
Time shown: h=1 m=10 s=22
